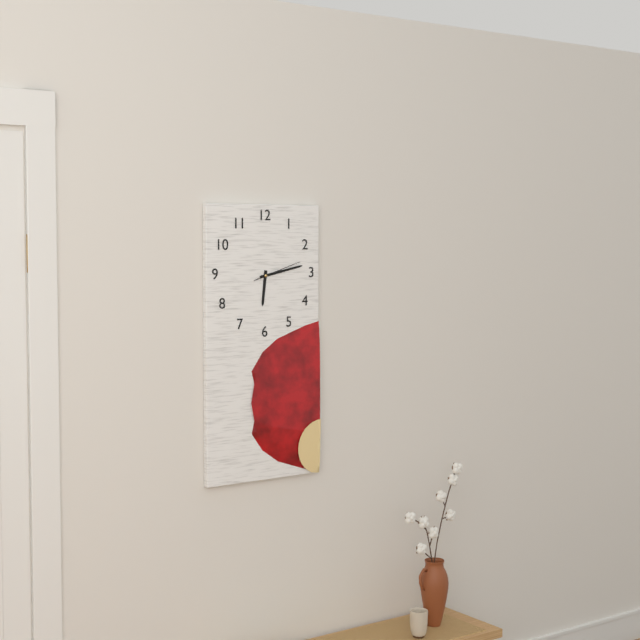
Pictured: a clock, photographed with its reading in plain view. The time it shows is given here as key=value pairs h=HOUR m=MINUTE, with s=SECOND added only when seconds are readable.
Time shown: h=6 m=13 s=12
